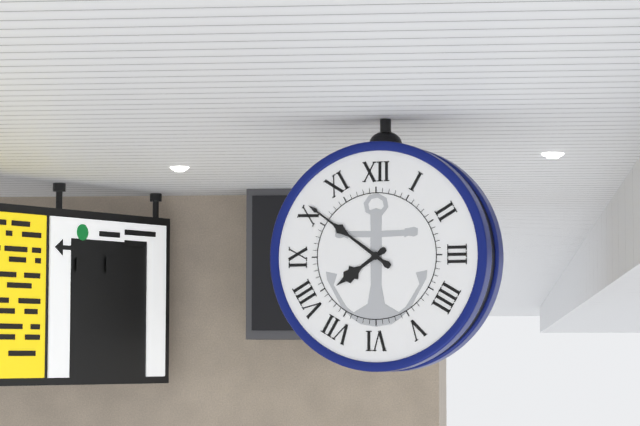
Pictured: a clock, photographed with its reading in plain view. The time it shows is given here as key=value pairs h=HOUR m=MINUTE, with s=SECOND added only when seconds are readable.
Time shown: h=7 m=51
